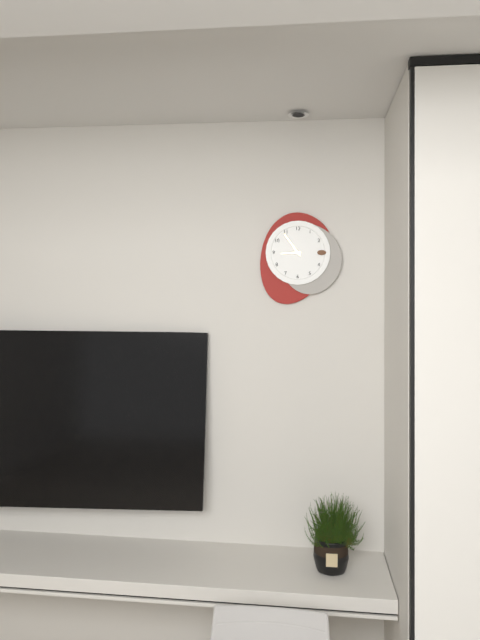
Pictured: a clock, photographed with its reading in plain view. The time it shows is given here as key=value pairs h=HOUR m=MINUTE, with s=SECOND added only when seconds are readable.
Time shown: h=8 m=54
